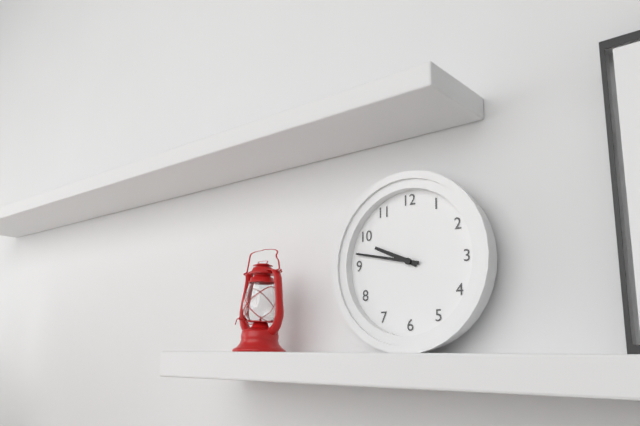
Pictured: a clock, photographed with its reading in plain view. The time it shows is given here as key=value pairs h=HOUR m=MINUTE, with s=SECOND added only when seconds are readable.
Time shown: h=9 m=47
